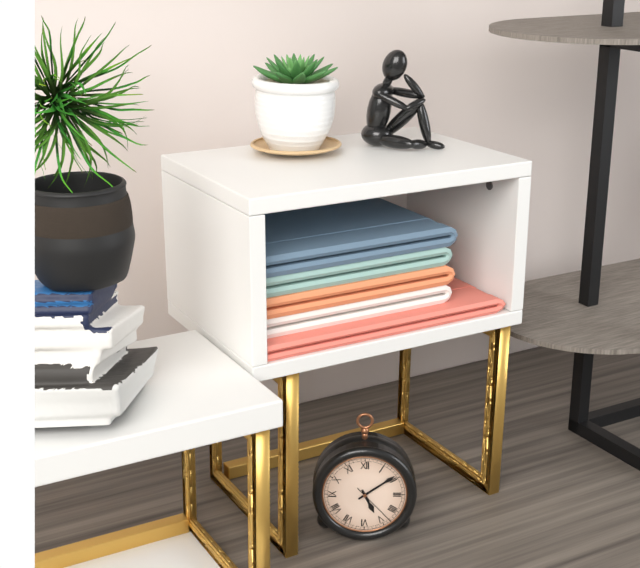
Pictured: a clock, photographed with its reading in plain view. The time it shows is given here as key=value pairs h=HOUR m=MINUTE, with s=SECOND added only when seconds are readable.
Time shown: h=5 m=9
